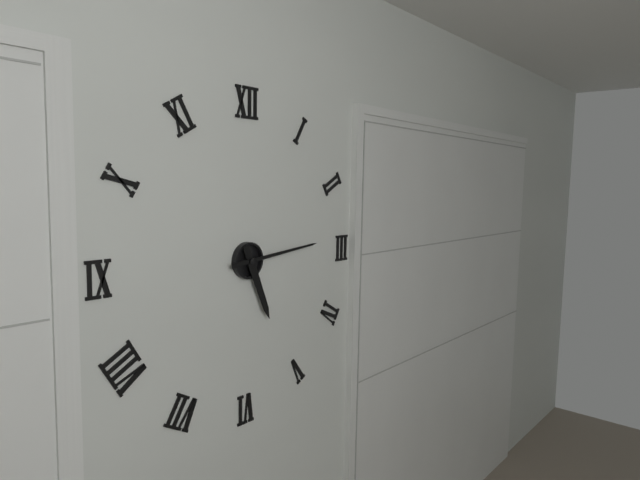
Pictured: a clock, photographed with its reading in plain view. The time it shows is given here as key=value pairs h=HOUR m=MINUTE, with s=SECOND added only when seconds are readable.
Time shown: h=5 m=14
